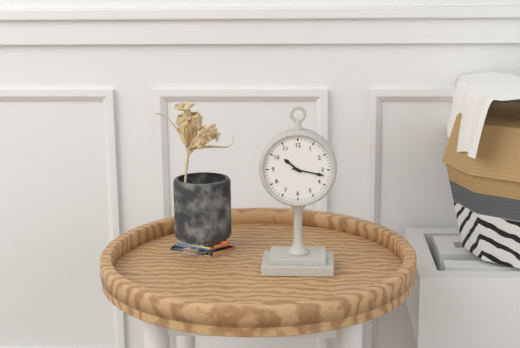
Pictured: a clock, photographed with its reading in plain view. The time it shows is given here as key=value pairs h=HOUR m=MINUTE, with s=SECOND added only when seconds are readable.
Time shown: h=10 m=17
